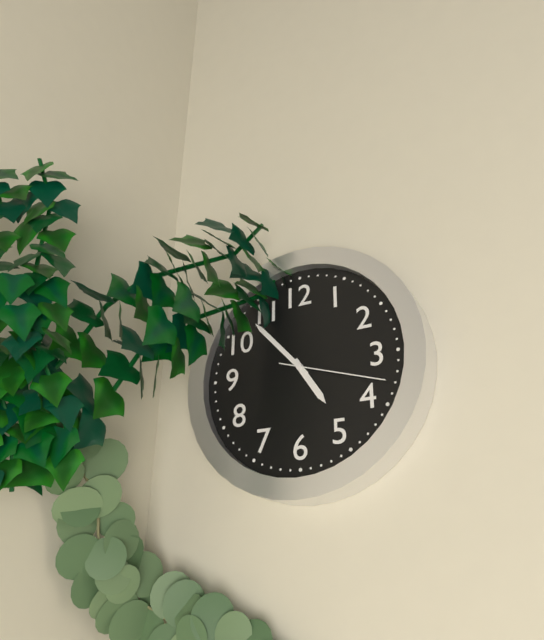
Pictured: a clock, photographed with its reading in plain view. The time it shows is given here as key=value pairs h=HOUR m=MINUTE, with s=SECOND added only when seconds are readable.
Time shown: h=4 m=53 s=18
